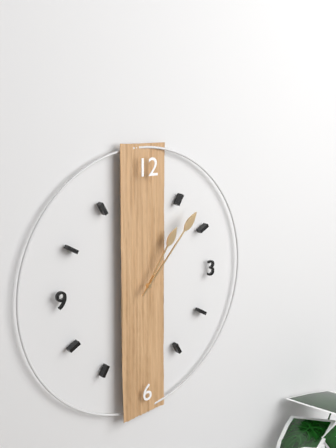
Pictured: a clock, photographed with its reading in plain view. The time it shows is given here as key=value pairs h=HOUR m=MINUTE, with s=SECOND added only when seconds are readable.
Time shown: h=1 m=7
